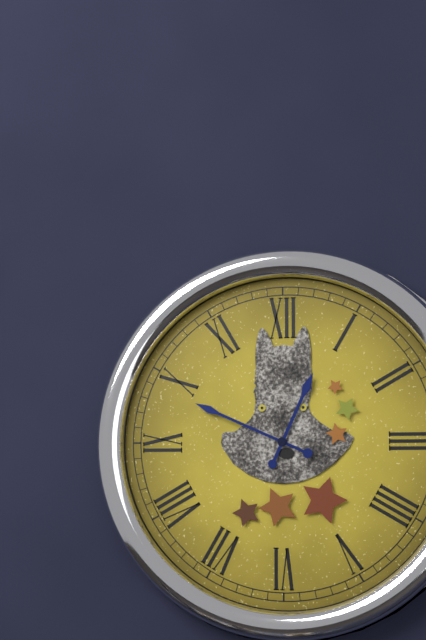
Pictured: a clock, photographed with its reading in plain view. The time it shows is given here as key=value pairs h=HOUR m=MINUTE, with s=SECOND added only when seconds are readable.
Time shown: h=12 m=49
